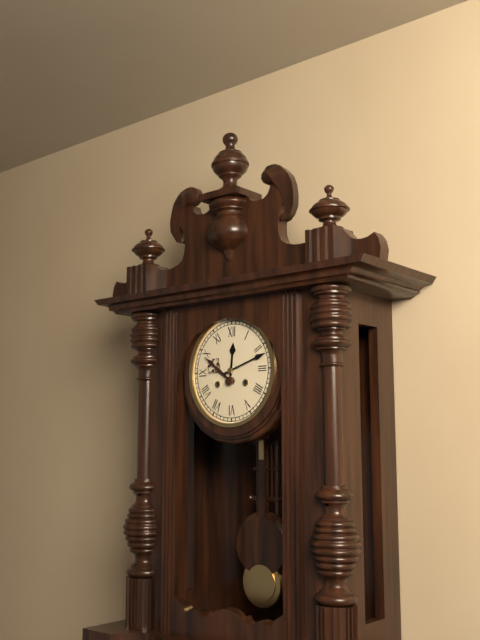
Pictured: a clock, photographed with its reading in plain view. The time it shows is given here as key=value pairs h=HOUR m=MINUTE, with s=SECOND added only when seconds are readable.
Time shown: h=12 m=12
